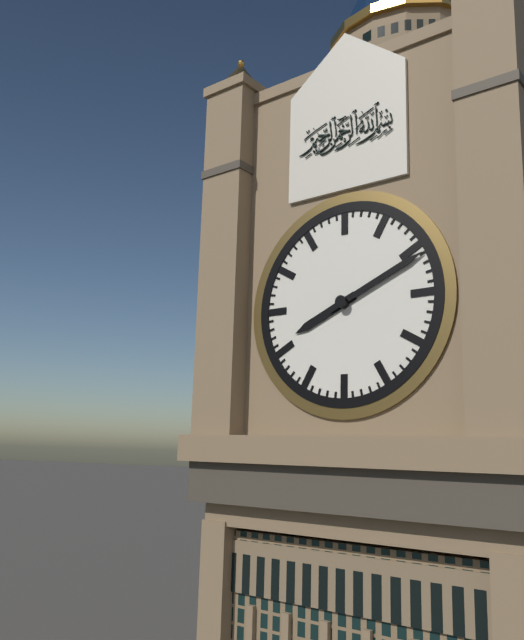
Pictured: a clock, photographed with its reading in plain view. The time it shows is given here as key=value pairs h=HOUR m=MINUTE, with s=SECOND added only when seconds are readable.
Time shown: h=8 m=11
